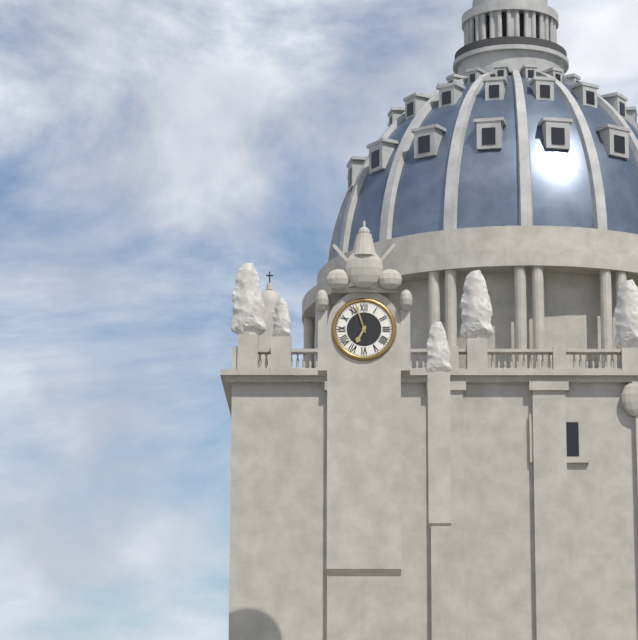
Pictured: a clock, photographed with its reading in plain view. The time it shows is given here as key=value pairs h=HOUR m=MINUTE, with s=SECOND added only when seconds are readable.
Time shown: h=6 m=57
